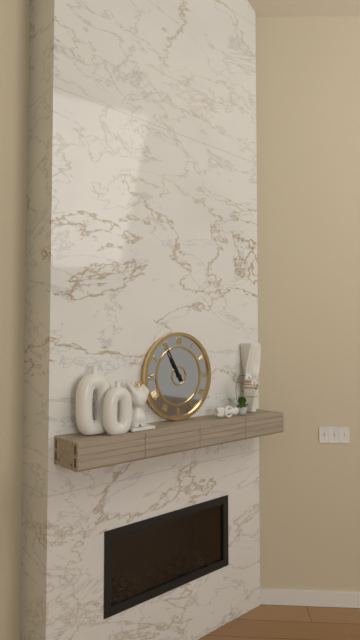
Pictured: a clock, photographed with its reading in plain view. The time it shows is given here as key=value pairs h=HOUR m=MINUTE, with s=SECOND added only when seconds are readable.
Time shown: h=10 m=55
